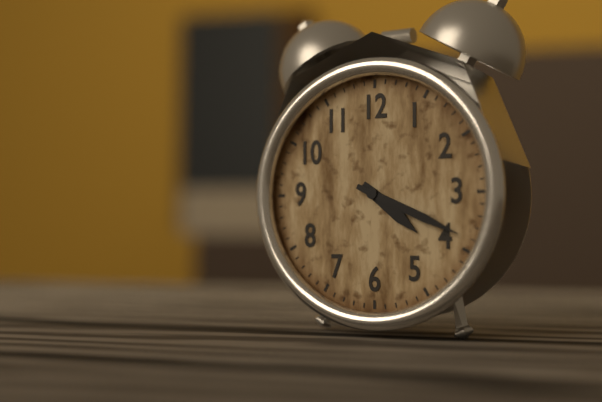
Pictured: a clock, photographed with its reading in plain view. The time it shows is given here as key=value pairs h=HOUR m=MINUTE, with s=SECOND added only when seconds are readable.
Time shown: h=4 m=19
